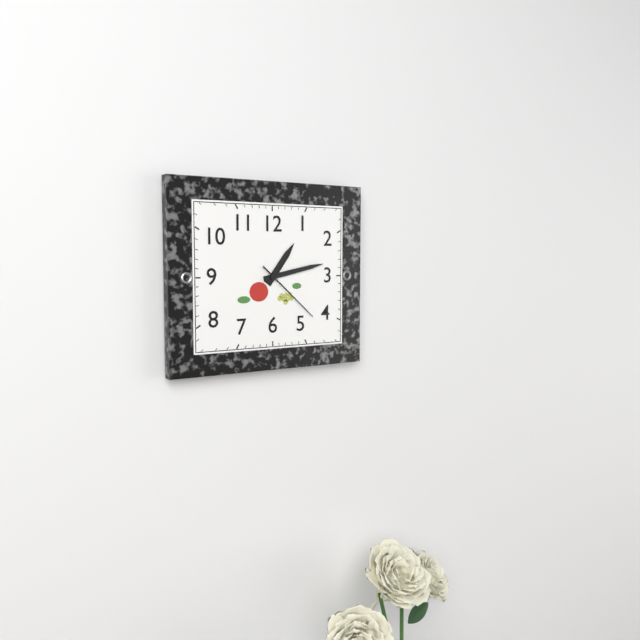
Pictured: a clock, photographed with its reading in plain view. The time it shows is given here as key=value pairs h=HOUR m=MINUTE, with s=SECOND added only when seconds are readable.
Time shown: h=1 m=13 s=22
